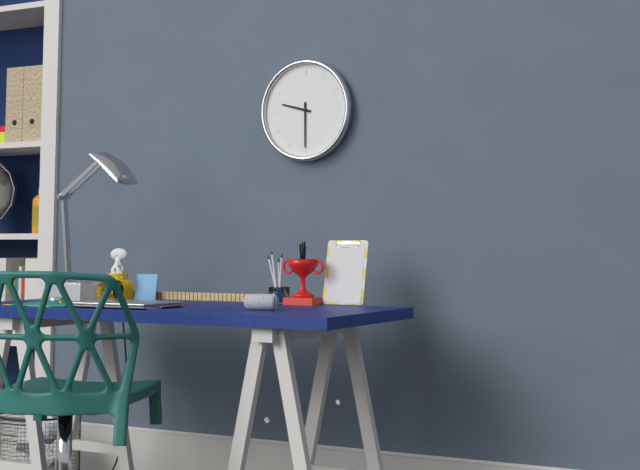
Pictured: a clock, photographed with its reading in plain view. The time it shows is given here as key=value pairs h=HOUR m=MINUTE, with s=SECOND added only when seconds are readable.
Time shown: h=9 m=30
